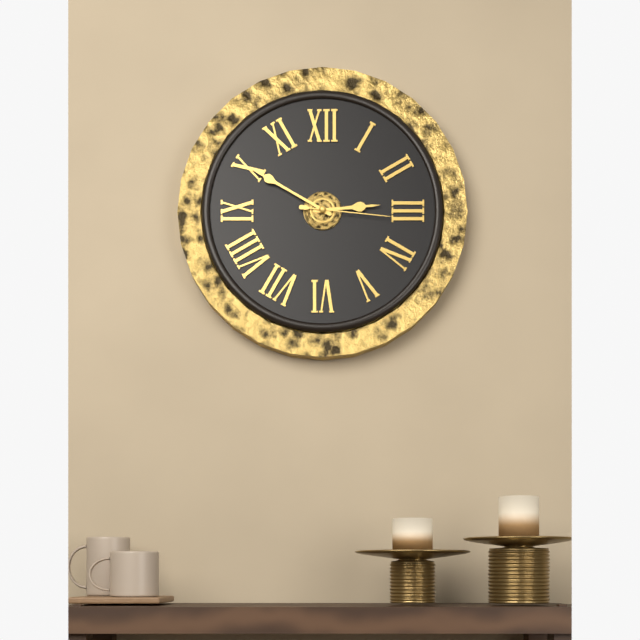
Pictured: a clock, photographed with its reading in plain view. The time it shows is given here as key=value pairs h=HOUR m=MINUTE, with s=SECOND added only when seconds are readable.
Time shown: h=2 m=50 s=16
